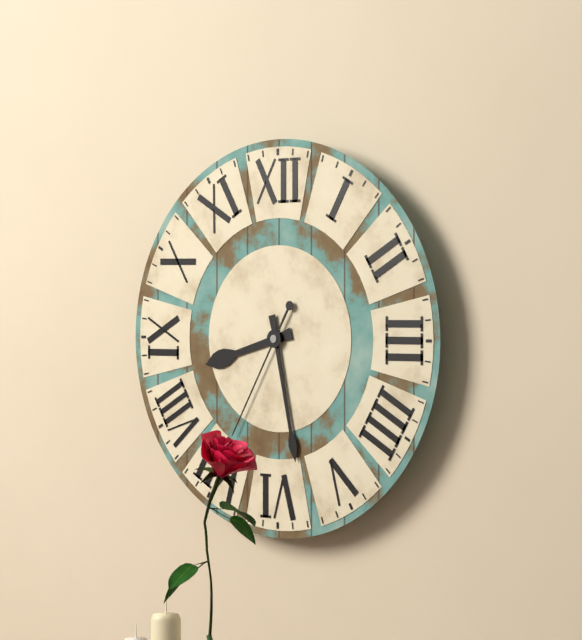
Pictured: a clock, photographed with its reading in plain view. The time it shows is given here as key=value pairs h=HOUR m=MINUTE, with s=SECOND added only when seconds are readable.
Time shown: h=8 m=28 s=35
